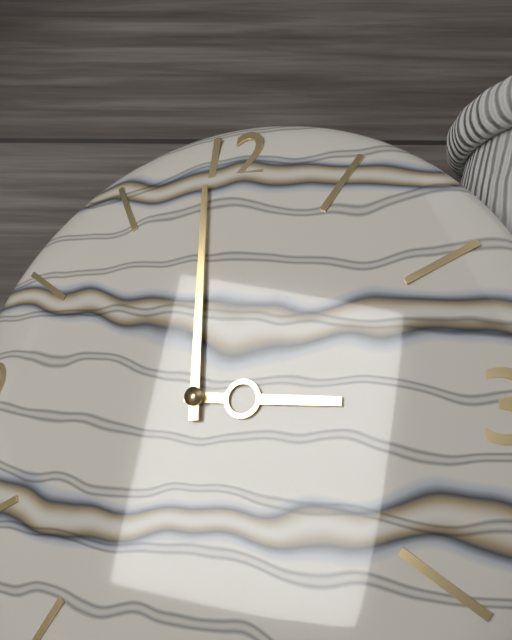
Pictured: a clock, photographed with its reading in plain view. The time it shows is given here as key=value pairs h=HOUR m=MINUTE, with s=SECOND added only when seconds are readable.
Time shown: h=2 m=59
